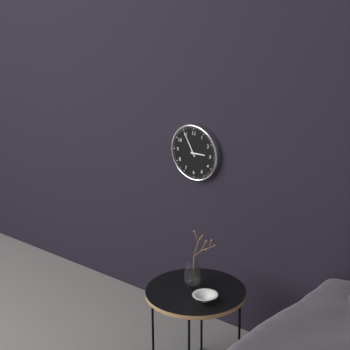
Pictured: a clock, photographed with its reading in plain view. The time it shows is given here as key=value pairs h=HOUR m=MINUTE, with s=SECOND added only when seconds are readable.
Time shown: h=2 m=55
